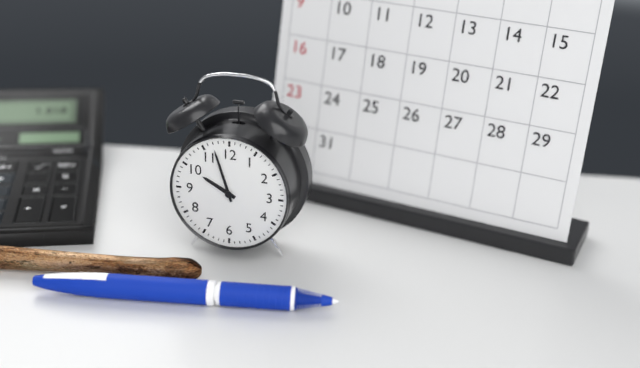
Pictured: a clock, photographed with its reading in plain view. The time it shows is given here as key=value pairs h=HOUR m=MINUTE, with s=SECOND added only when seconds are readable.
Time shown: h=9 m=57
